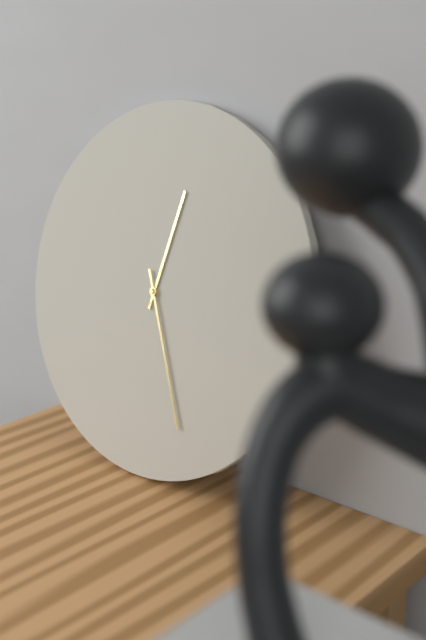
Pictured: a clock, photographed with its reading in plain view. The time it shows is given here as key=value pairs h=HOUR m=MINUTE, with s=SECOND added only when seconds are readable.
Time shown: h=12 m=26
